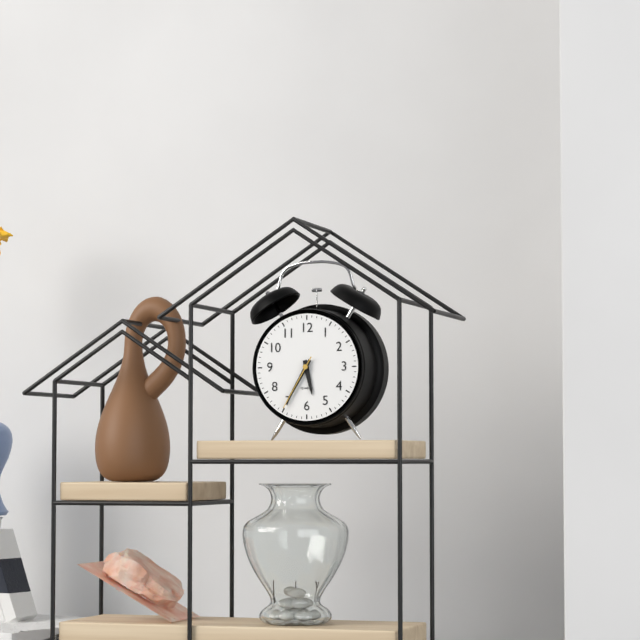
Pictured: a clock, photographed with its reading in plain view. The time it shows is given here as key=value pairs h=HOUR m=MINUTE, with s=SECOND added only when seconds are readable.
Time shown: h=5 m=35 s=35
